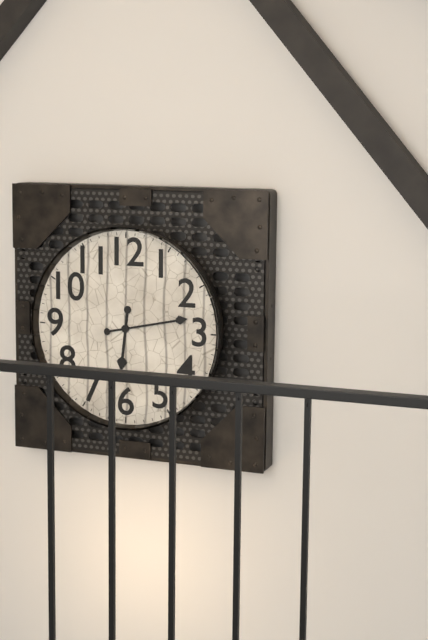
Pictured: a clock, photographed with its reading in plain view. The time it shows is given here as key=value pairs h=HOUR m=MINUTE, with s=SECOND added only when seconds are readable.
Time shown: h=6 m=13
